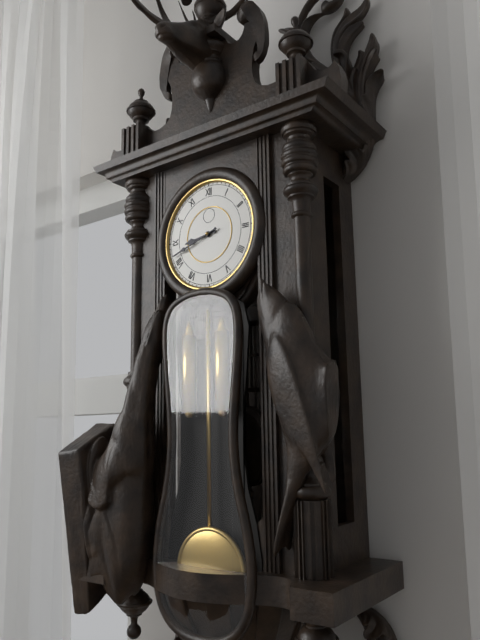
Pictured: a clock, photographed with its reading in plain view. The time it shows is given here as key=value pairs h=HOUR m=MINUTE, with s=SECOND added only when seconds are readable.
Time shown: h=8 m=42
